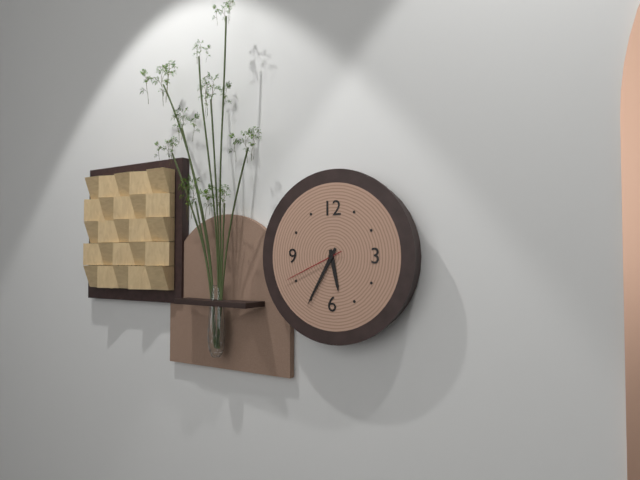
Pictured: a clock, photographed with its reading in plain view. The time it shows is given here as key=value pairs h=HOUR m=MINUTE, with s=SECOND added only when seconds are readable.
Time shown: h=5 m=35 s=41
